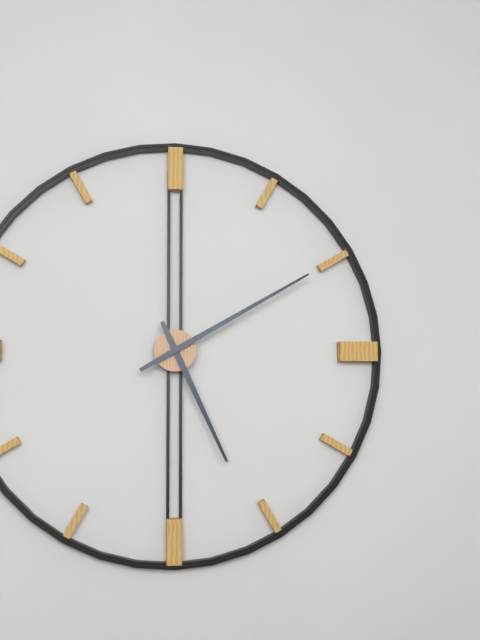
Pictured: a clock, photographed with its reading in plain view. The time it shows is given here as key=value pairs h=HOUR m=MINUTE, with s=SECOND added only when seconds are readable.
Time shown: h=5 m=10
